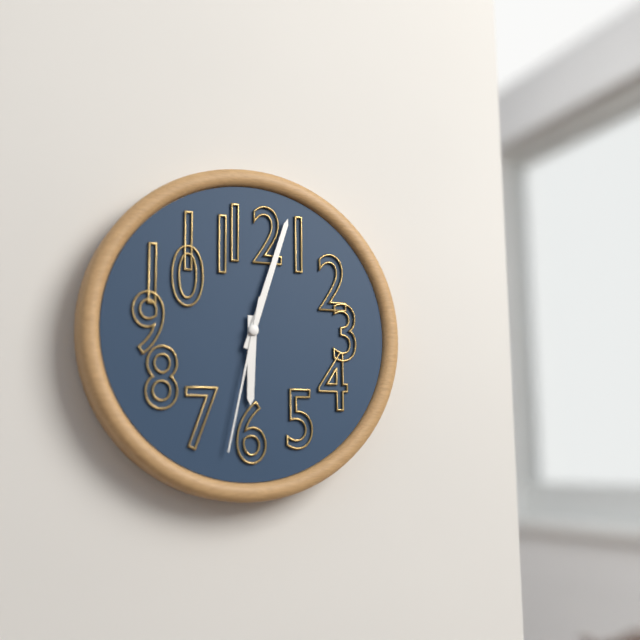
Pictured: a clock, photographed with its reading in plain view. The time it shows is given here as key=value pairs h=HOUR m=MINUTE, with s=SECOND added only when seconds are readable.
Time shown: h=6 m=3 s=32
